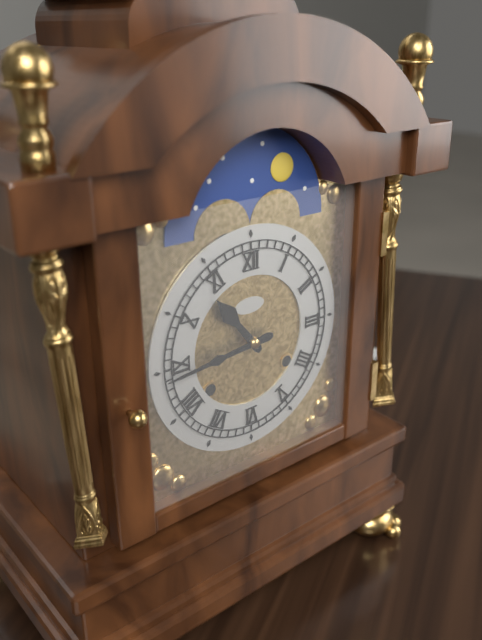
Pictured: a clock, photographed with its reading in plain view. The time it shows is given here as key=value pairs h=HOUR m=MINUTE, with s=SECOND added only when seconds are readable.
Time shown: h=10 m=44
